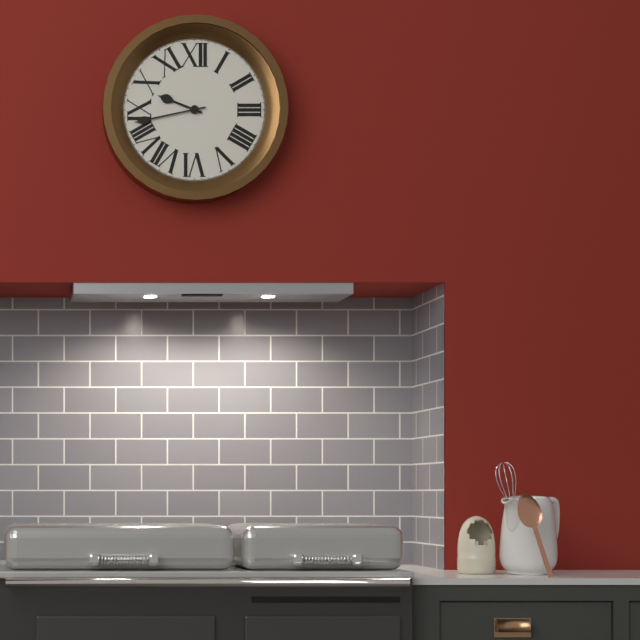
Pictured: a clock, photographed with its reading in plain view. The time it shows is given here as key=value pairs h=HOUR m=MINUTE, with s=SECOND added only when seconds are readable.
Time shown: h=9 m=43
